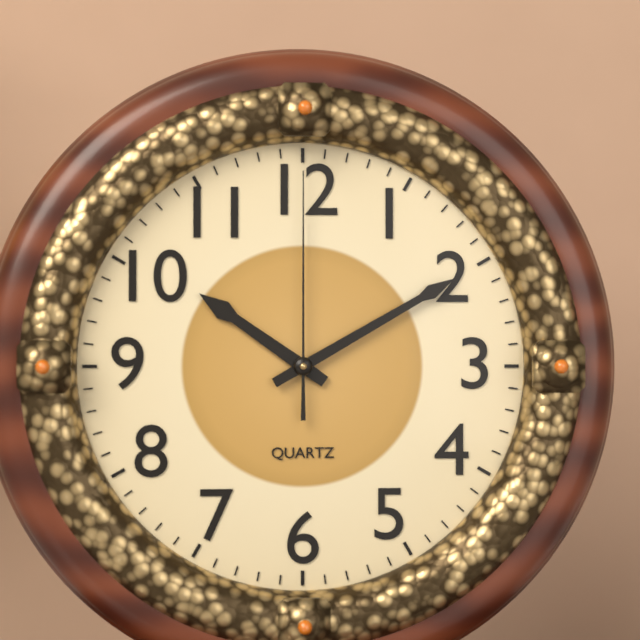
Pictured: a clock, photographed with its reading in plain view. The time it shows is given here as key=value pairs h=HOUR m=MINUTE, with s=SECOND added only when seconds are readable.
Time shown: h=10 m=10 s=0
